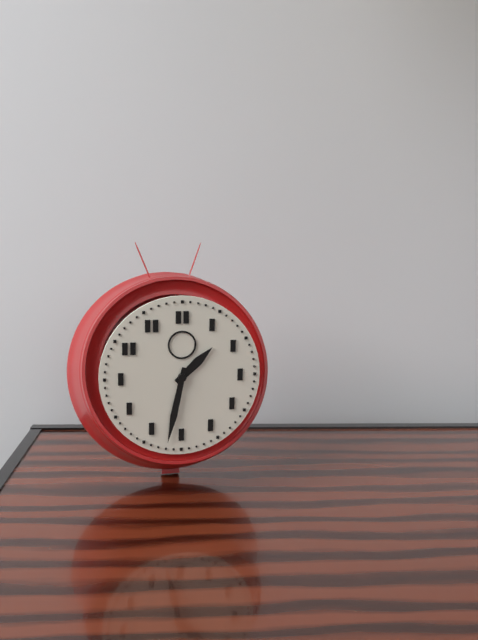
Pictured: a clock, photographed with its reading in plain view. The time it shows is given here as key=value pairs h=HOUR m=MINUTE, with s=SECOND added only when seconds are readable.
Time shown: h=1 m=32
